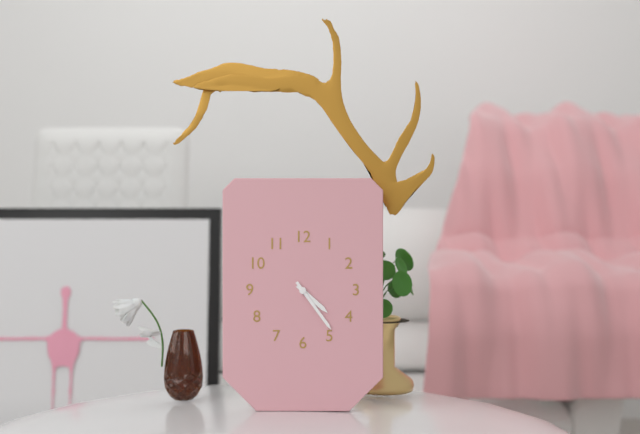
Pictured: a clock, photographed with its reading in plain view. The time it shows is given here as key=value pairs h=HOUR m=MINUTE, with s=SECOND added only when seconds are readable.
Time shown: h=4 m=24
